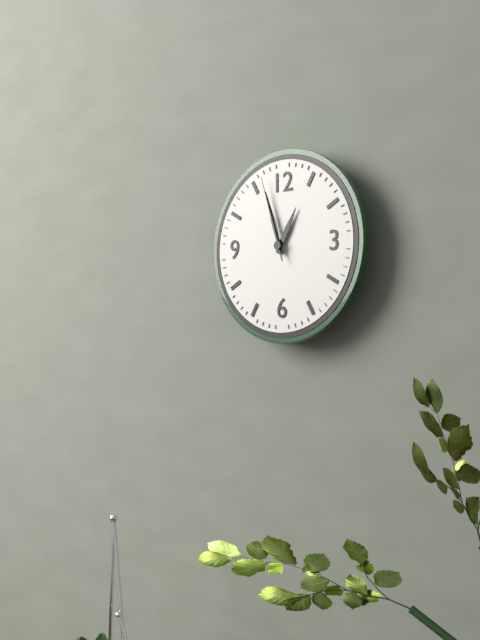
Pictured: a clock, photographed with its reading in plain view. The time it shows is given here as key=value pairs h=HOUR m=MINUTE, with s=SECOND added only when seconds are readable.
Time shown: h=12 m=57 s=57
